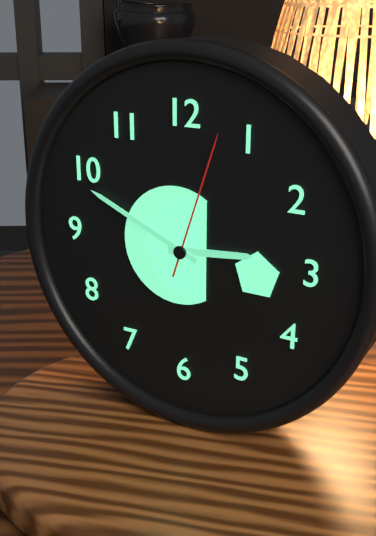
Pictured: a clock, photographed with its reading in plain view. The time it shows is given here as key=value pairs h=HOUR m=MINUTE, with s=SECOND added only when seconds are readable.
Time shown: h=2 m=49 s=3
